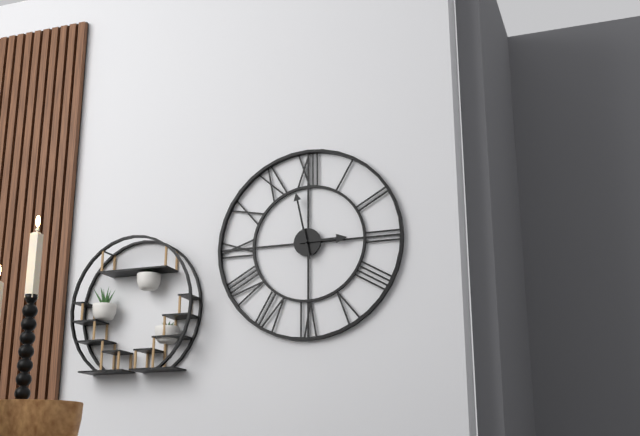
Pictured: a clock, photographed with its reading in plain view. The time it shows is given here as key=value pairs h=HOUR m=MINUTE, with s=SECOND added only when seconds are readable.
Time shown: h=2 m=58
